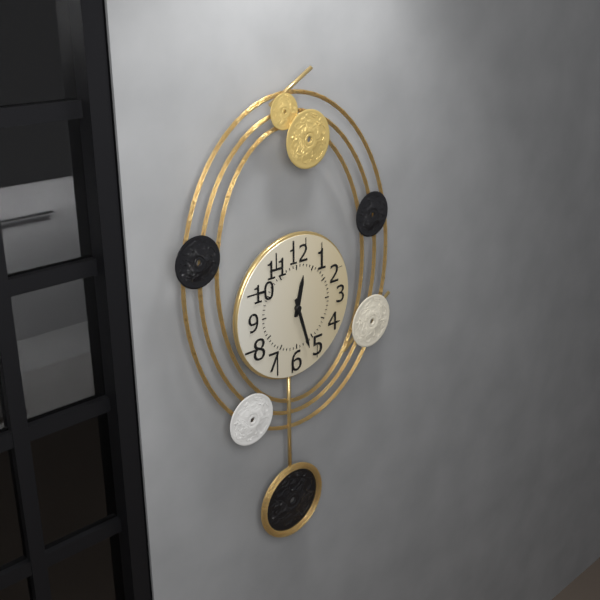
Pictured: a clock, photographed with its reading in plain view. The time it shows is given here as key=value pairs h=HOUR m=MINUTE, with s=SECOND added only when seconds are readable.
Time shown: h=12 m=27
